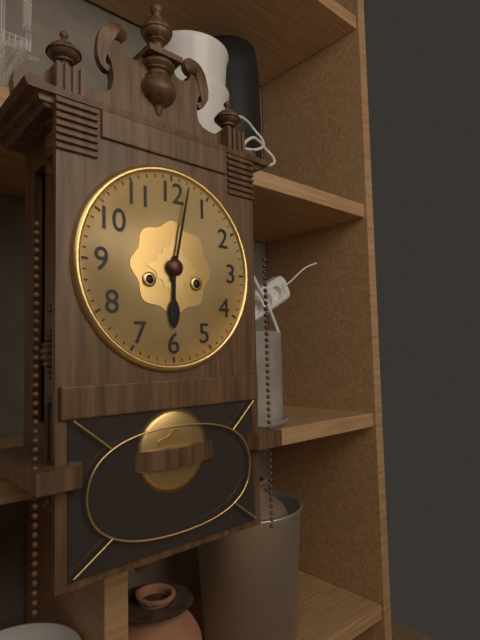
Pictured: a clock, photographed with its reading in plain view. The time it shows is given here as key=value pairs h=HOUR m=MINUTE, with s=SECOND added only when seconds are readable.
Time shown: h=6 m=2
